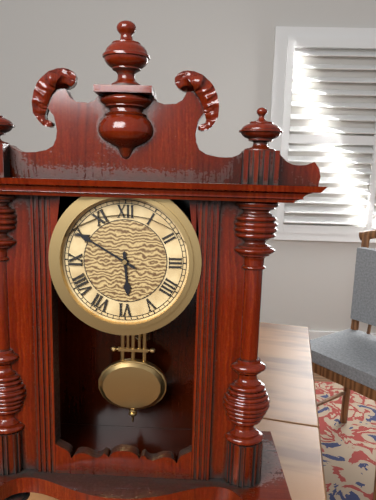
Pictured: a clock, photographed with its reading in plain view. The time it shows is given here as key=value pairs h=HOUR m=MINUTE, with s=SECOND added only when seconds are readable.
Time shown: h=5 m=50
